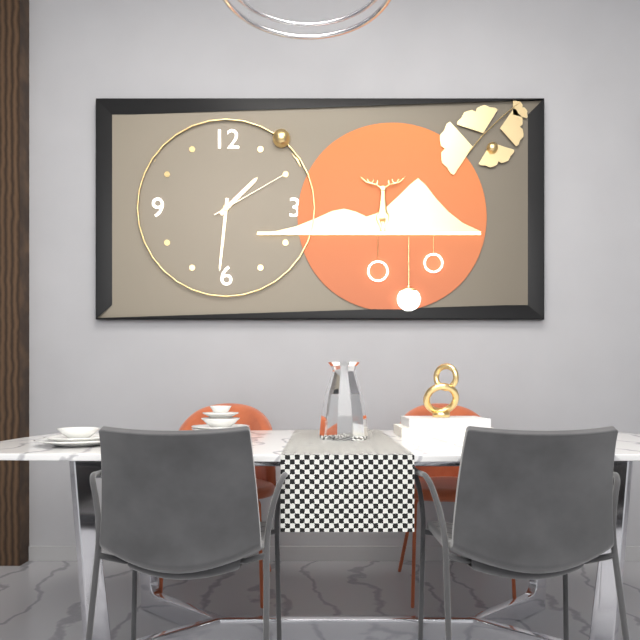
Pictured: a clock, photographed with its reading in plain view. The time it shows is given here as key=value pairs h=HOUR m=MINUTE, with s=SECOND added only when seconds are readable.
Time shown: h=1 m=31 s=10
